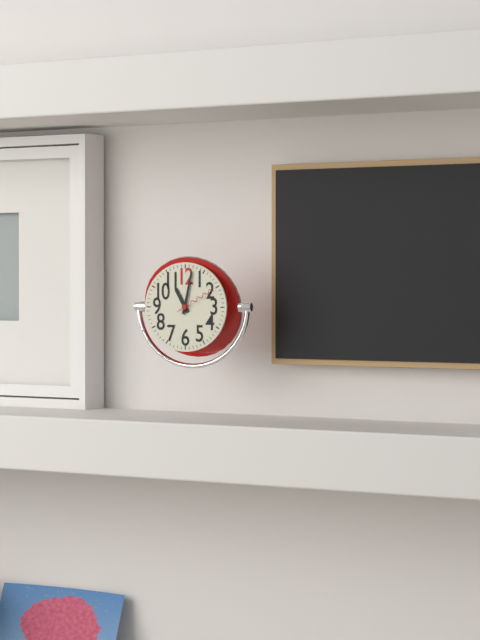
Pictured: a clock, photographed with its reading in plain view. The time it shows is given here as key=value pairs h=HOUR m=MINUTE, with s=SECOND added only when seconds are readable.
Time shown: h=11 m=2
